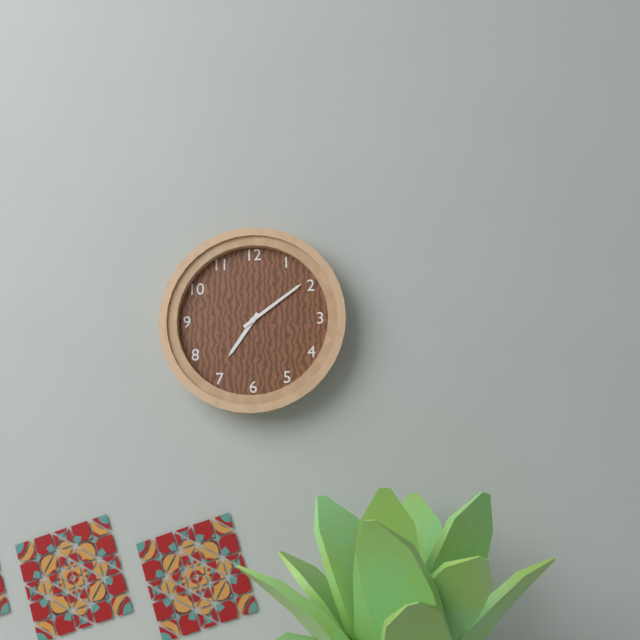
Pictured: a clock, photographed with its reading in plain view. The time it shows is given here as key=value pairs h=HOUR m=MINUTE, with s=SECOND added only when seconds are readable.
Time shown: h=7 m=9
